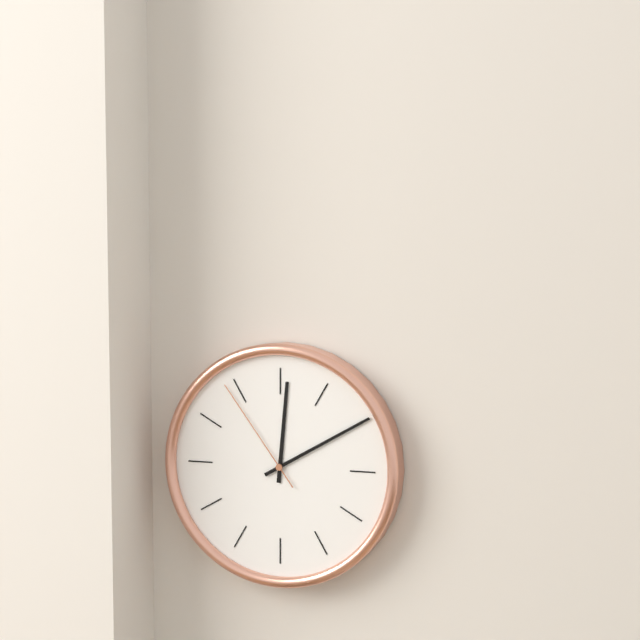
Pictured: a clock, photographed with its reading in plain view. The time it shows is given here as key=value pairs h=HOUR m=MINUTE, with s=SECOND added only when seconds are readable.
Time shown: h=12 m=10 s=54
